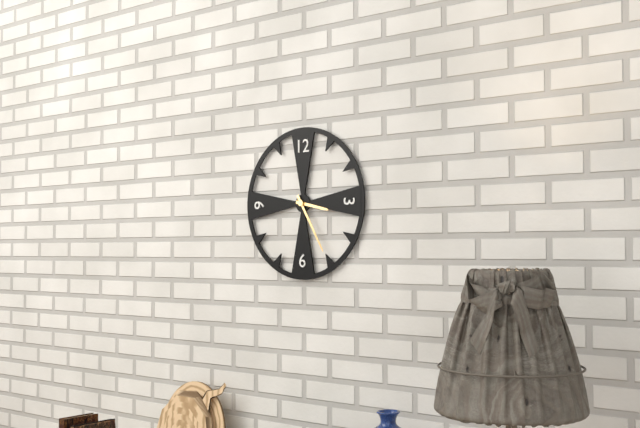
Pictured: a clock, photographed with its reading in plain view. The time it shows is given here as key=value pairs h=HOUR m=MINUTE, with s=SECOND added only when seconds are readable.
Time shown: h=3 m=25
